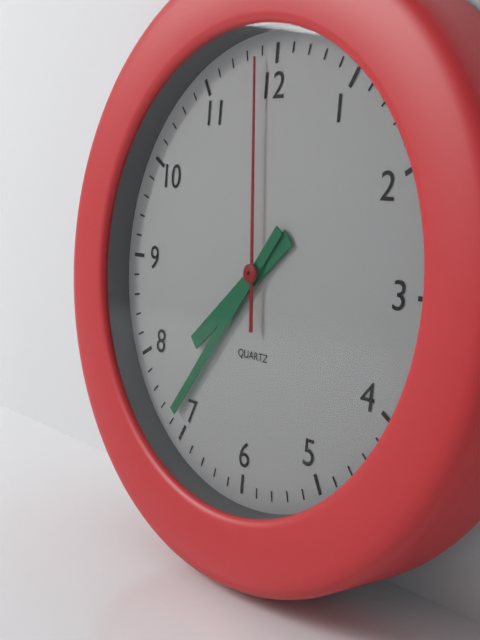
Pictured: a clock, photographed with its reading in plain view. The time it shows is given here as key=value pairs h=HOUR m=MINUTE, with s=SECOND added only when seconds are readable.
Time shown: h=7 m=36 s=59
